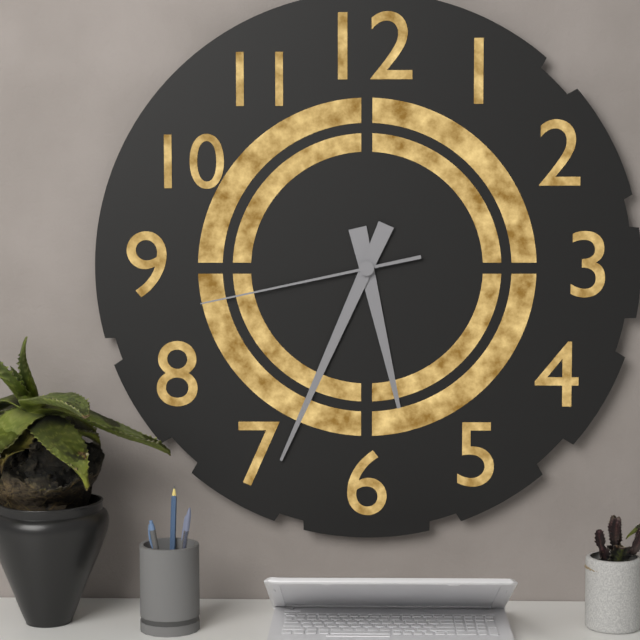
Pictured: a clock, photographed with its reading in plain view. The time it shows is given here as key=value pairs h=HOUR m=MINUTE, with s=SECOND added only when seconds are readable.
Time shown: h=5 m=34 s=43
